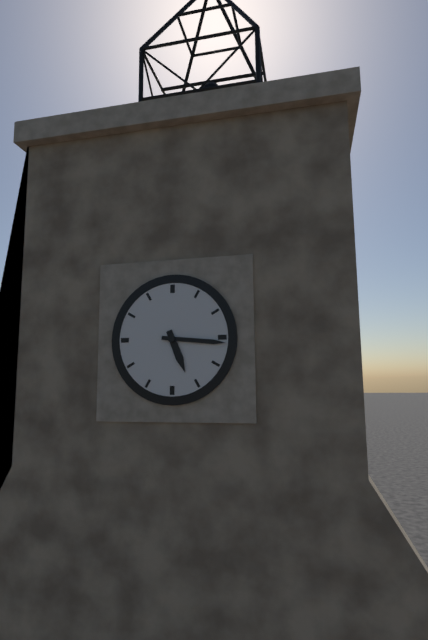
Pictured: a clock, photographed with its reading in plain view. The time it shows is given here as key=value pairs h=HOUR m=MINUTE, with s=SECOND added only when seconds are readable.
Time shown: h=5 m=16
